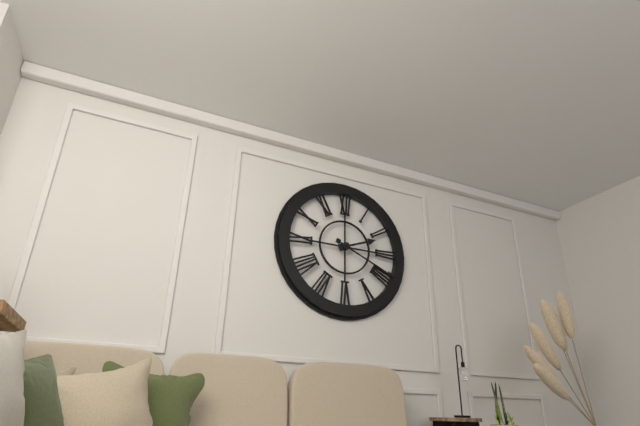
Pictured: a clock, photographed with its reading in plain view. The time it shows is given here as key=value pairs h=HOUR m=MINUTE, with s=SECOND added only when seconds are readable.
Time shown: h=2 m=19
